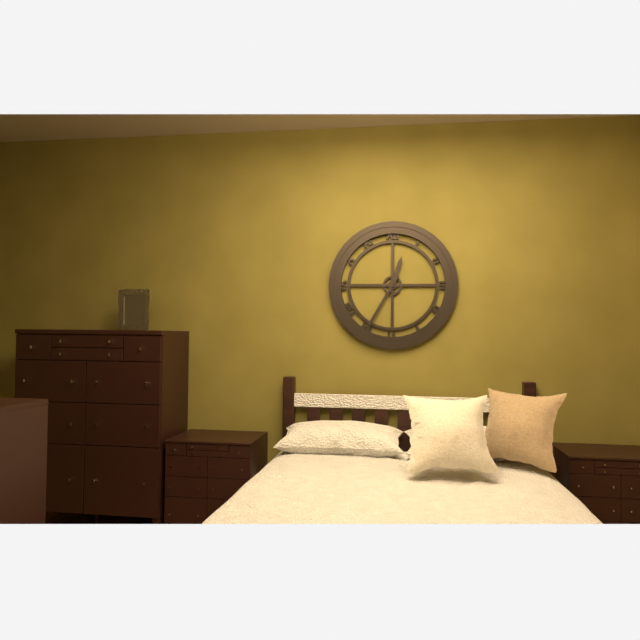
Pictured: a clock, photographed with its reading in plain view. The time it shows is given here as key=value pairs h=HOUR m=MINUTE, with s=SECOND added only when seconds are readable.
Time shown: h=12 m=35
